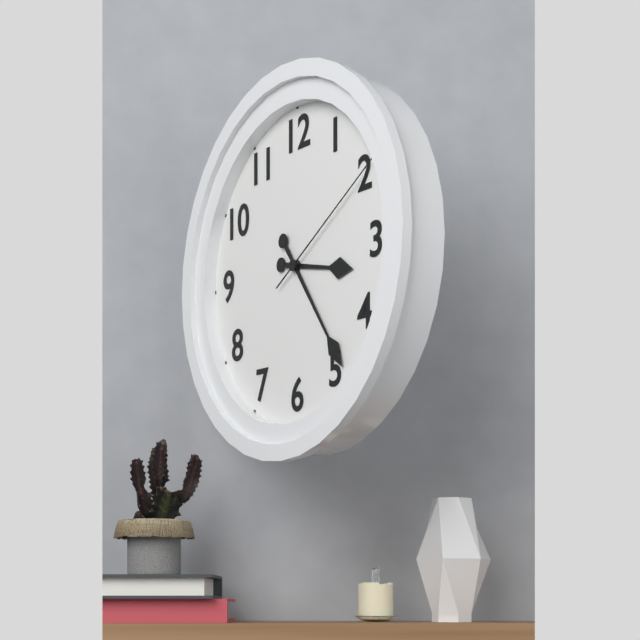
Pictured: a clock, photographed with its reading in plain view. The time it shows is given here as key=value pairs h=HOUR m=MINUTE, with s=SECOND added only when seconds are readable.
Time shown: h=3 m=24 s=10
